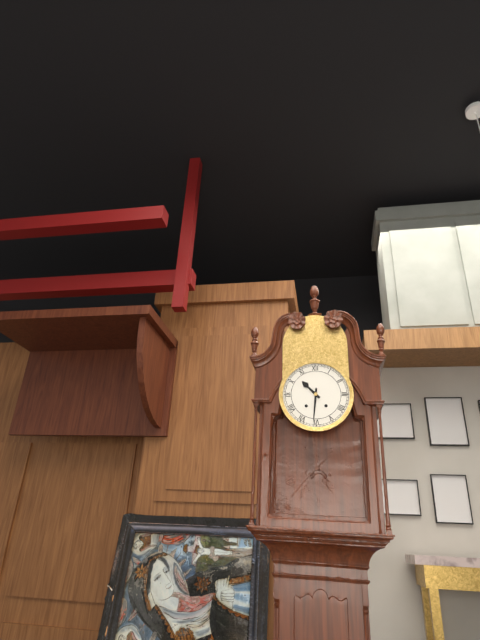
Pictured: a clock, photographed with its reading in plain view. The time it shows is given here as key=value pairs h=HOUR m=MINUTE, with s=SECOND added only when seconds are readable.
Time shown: h=10 m=31
